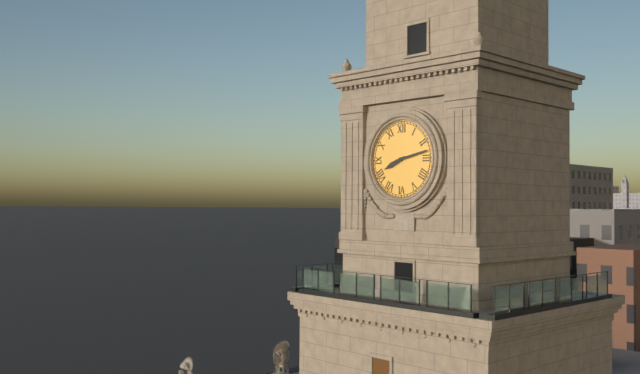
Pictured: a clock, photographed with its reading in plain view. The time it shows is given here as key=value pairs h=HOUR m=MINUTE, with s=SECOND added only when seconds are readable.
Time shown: h=8 m=13
